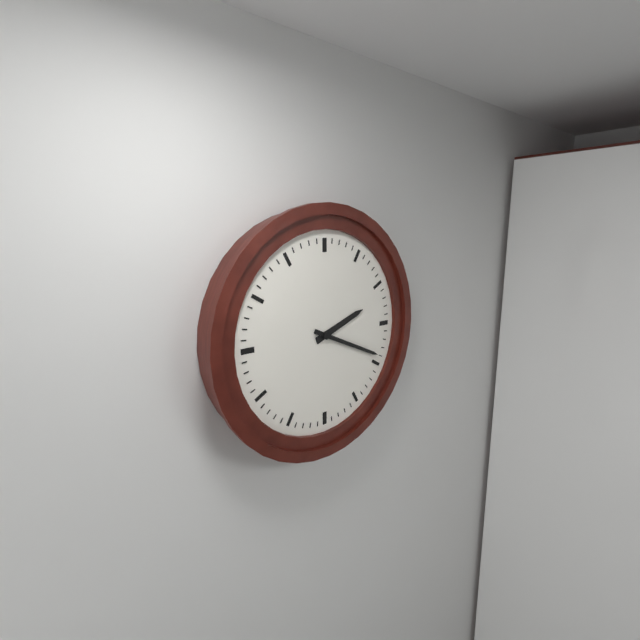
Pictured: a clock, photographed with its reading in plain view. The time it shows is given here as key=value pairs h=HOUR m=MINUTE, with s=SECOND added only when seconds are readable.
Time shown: h=2 m=19
